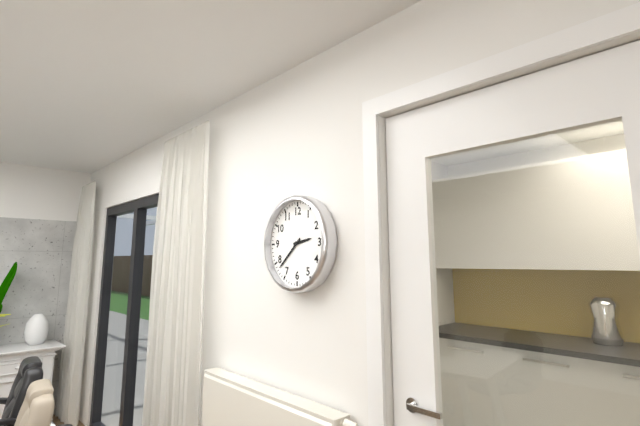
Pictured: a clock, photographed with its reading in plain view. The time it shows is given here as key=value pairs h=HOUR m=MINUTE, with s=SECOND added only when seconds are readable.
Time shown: h=2 m=38
